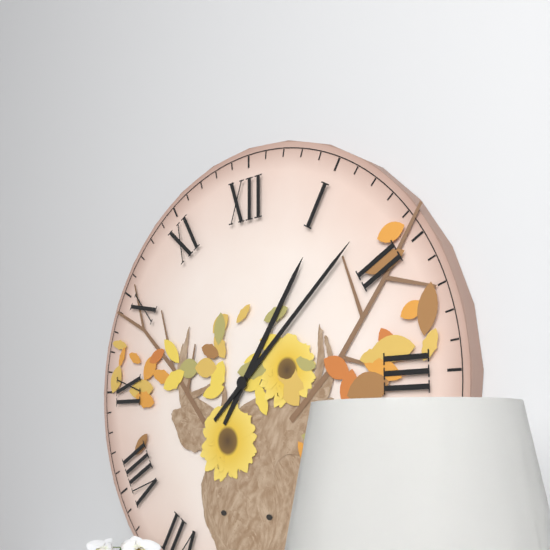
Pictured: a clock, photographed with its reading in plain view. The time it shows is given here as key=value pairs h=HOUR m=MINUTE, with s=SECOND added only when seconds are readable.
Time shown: h=1 m=8
